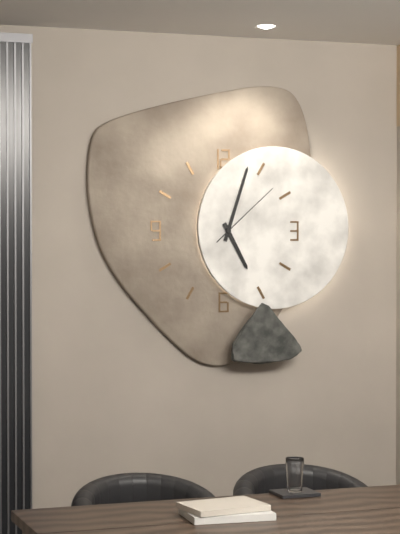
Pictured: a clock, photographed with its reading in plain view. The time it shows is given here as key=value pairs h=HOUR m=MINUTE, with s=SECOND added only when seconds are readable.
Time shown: h=5 m=3 s=8
